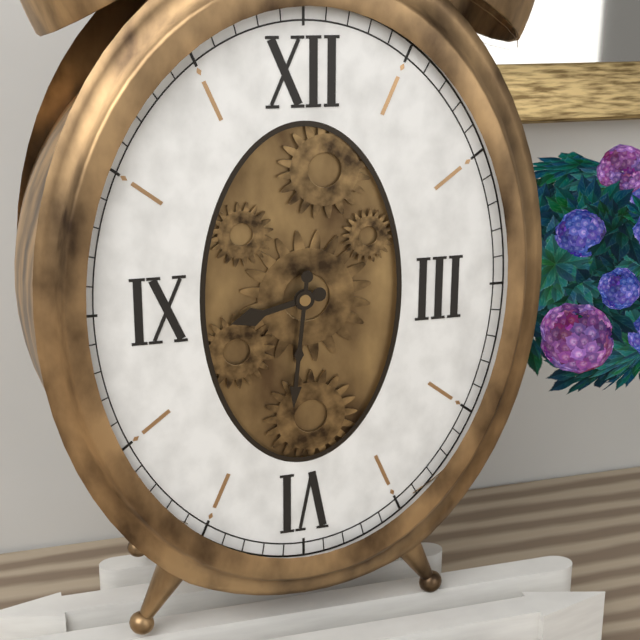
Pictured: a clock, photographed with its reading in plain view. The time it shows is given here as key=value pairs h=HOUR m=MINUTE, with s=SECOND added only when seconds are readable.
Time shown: h=8 m=31
